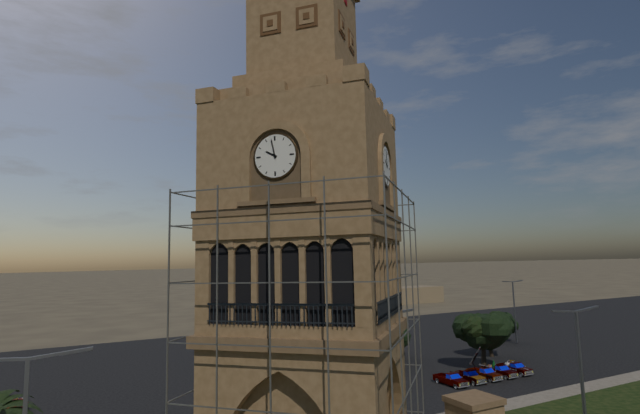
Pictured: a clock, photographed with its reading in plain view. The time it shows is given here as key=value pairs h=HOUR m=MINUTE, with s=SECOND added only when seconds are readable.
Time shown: h=9 m=58
